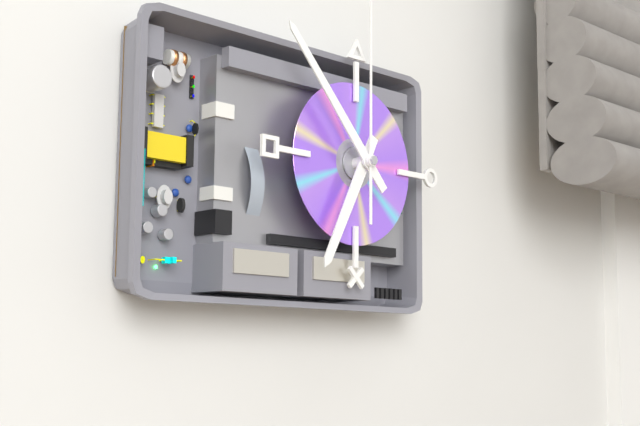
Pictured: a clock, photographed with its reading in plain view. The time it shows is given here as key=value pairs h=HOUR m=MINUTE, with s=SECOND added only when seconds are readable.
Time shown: h=6 m=53
